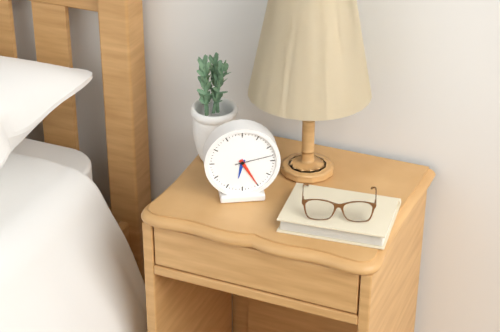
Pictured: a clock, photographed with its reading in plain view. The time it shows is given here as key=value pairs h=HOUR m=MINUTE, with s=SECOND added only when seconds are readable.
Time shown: h=6 m=25
